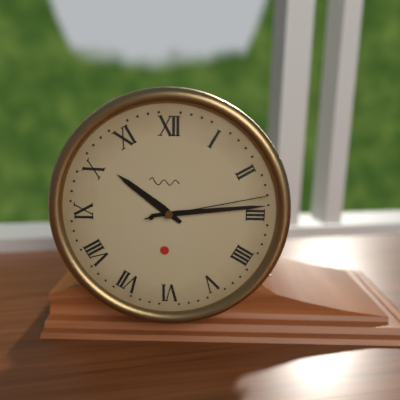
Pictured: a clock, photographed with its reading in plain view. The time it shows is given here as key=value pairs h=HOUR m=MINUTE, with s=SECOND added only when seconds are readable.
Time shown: h=10 m=14 s=13
